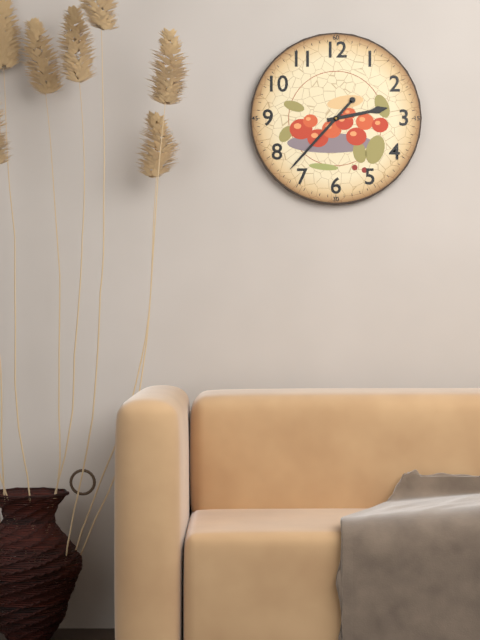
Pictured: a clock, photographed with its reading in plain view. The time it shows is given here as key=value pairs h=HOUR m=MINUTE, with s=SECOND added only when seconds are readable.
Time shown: h=2 m=37
